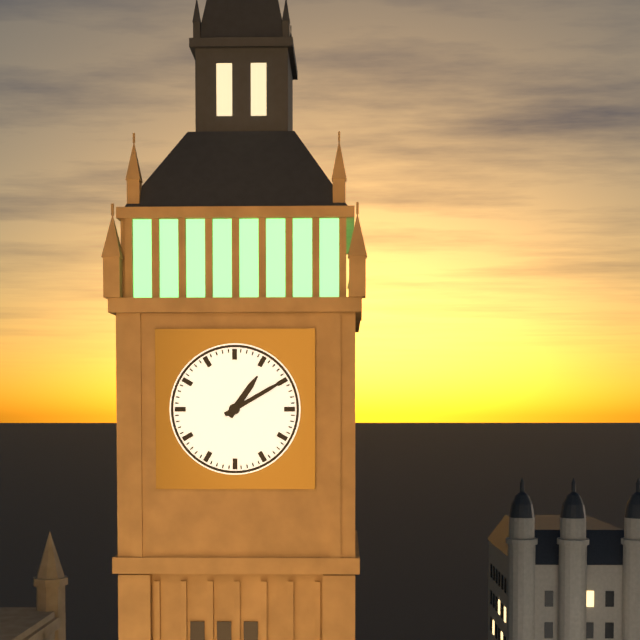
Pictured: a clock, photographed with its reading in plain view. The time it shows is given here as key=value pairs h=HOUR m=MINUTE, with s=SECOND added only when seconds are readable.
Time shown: h=1 m=10
